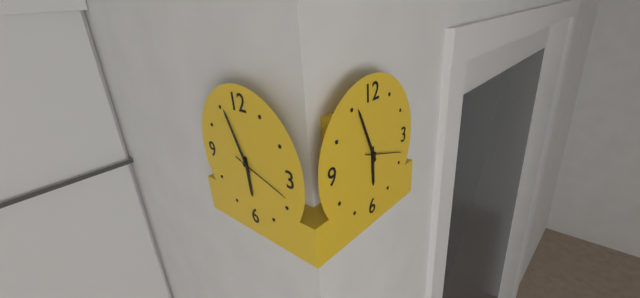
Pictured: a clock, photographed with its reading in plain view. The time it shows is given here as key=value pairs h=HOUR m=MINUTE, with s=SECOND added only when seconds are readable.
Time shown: h=5 m=56
